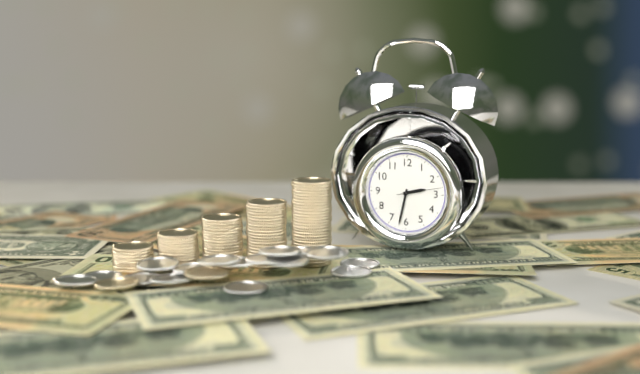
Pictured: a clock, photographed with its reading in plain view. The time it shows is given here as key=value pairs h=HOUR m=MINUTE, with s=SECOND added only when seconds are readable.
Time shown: h=2 m=32
